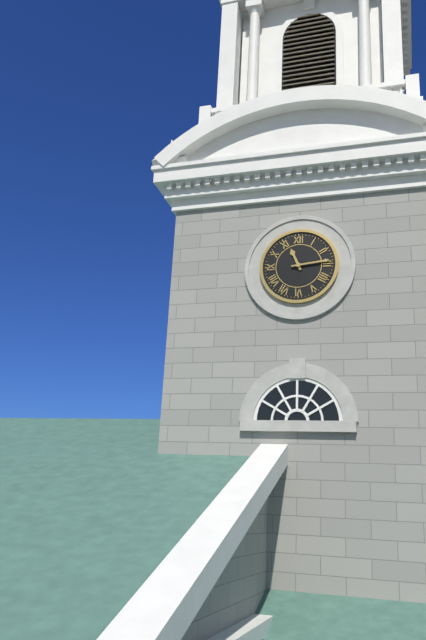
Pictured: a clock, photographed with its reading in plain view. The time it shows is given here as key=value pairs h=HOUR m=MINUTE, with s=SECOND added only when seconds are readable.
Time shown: h=11 m=14
